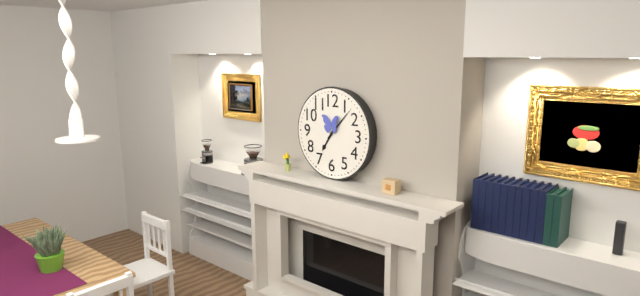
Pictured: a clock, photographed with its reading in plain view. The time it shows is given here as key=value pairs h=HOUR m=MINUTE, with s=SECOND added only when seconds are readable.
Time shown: h=7 m=7
